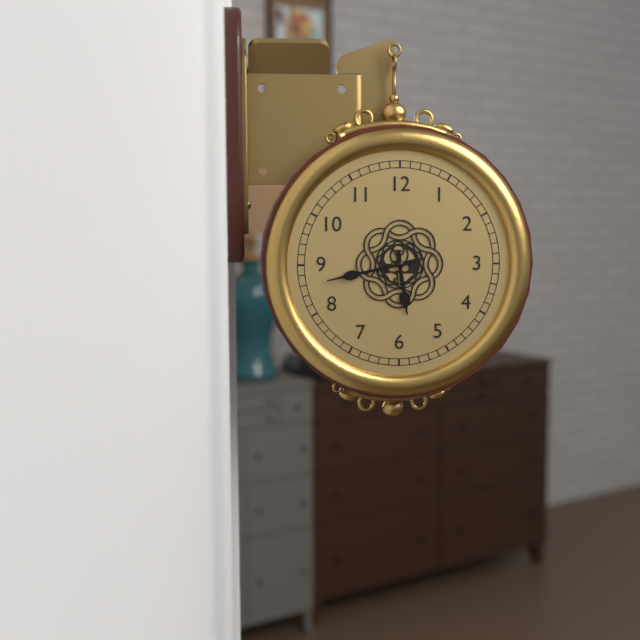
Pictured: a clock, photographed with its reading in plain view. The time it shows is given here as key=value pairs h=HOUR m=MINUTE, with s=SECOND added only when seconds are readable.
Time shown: h=5 m=43
